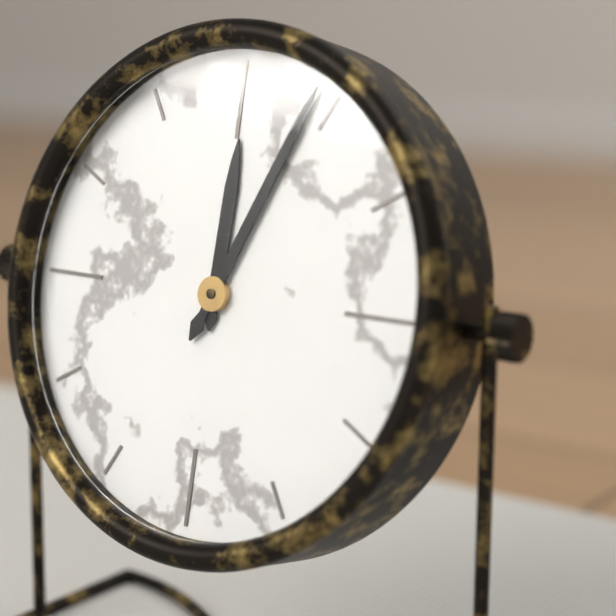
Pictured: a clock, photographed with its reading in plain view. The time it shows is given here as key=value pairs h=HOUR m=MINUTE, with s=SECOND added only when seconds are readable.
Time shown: h=12 m=4
